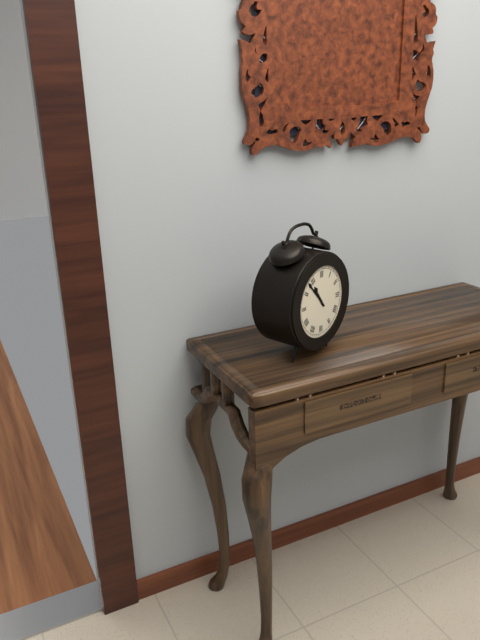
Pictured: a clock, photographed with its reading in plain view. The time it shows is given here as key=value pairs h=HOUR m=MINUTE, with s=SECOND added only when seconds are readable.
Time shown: h=10 m=53
